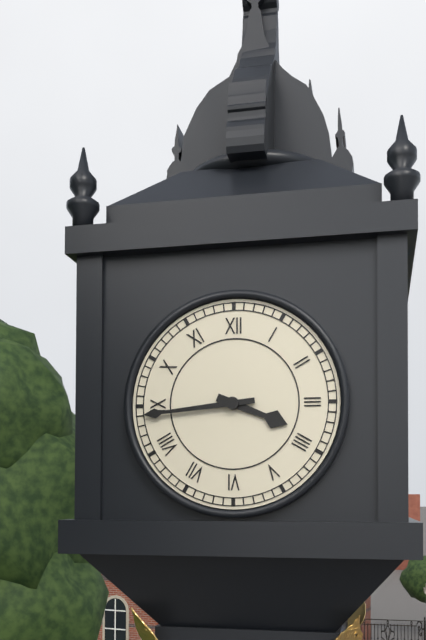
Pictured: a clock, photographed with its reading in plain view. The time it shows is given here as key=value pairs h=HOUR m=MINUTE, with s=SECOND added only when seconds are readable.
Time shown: h=3 m=44
